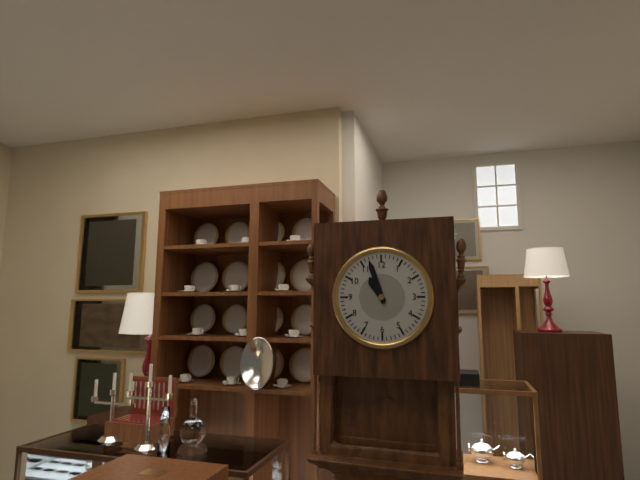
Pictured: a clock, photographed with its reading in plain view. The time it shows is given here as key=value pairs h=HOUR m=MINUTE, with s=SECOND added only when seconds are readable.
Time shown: h=10 m=57
